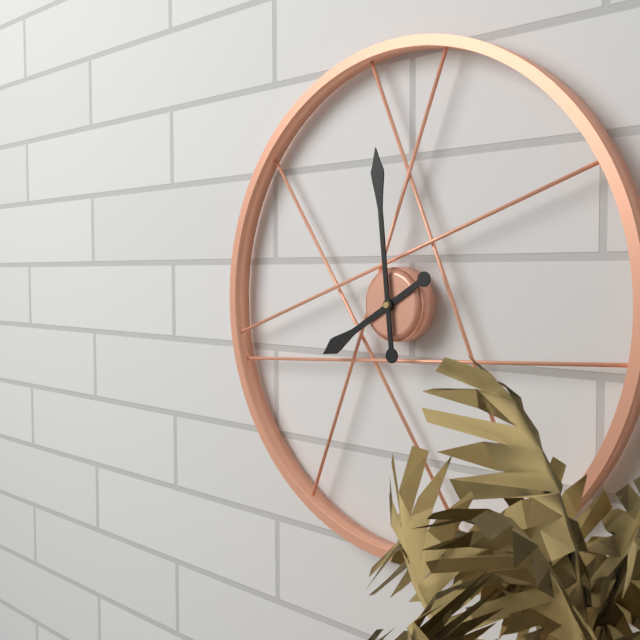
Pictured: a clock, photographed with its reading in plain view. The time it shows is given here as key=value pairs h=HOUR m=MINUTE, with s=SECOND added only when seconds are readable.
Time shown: h=7 m=59
